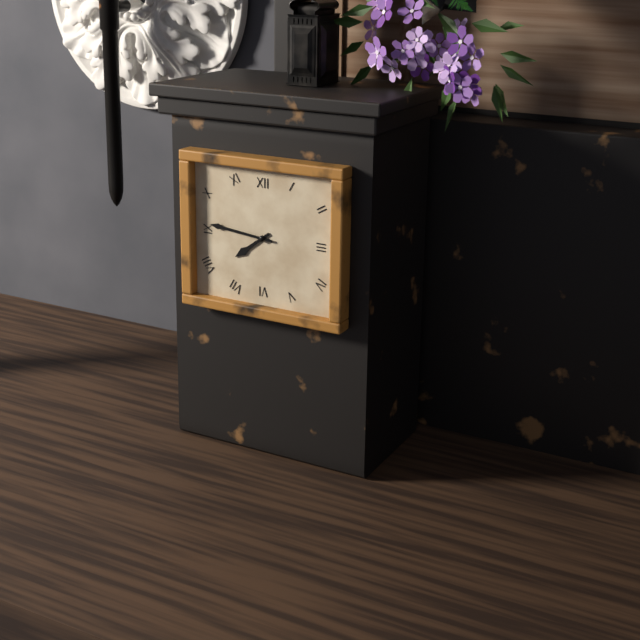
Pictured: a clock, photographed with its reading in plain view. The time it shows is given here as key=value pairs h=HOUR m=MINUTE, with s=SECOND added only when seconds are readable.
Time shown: h=7 m=46
